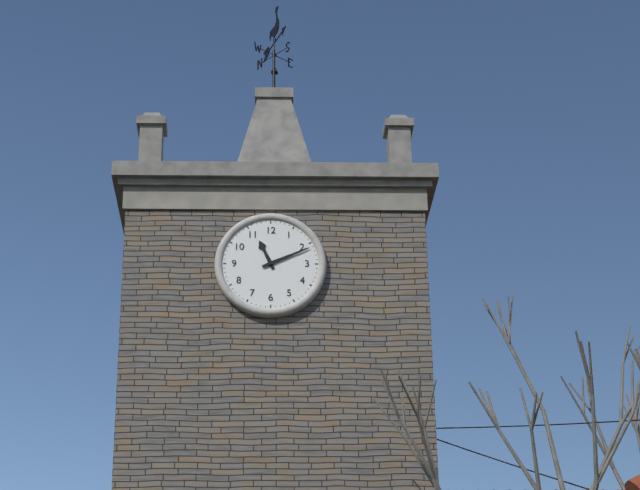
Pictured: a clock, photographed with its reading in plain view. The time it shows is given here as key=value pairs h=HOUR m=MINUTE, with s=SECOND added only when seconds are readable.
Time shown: h=11 m=11
